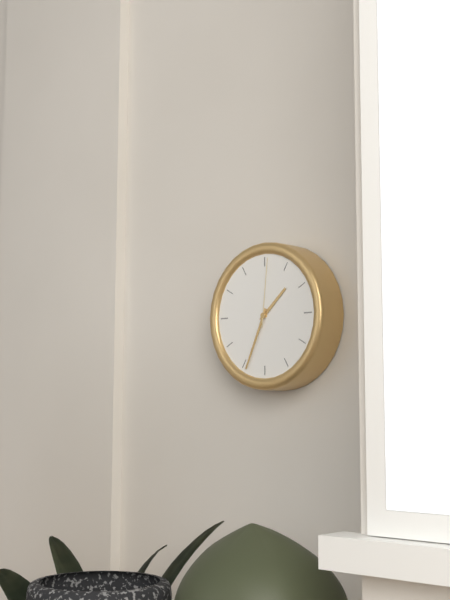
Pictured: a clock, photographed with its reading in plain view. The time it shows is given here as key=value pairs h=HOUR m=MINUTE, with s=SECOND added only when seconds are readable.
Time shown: h=1 m=34 s=1
